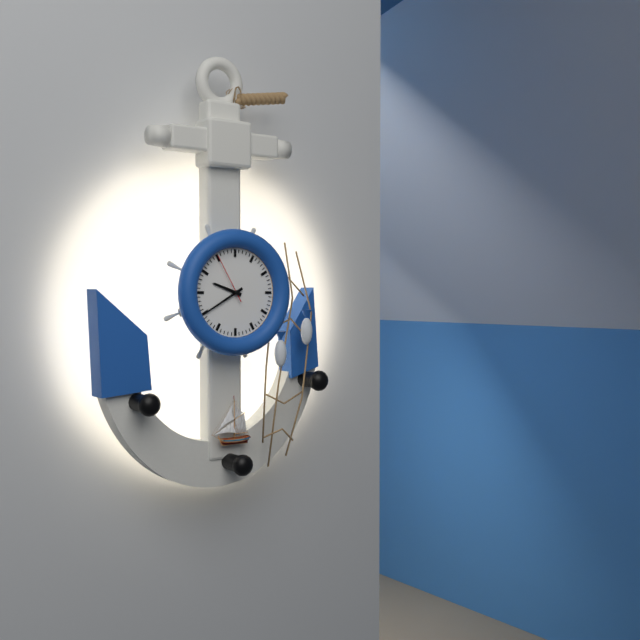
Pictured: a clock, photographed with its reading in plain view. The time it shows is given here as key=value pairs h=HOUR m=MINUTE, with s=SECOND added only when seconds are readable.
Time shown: h=9 m=40 s=55
